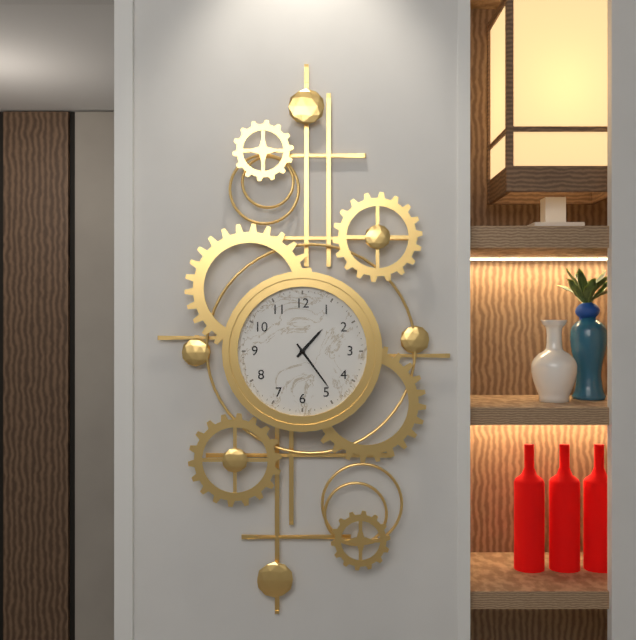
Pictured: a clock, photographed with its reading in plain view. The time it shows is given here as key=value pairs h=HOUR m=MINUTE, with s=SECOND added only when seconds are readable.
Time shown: h=1 m=24
